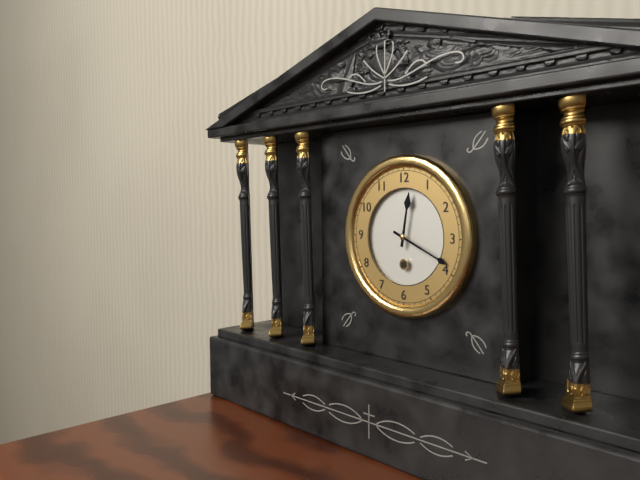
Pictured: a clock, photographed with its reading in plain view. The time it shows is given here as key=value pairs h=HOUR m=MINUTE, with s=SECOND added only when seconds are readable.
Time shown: h=12 m=19
